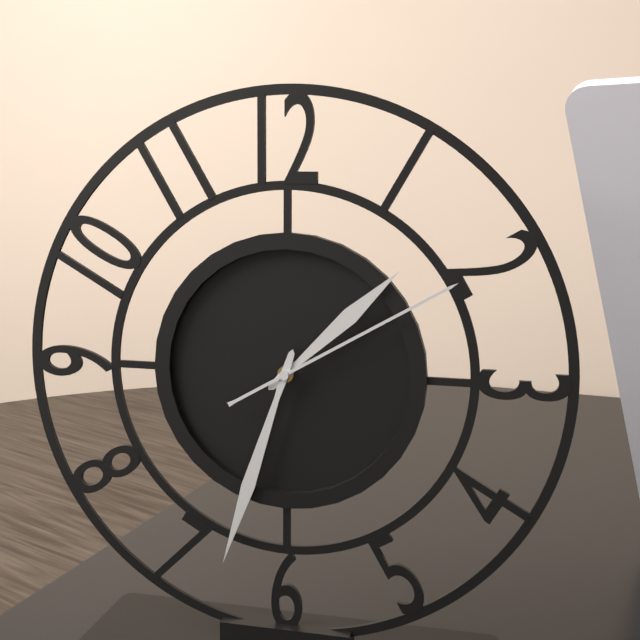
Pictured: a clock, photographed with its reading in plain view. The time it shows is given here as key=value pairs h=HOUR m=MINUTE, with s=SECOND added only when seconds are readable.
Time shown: h=1 m=33 s=10
